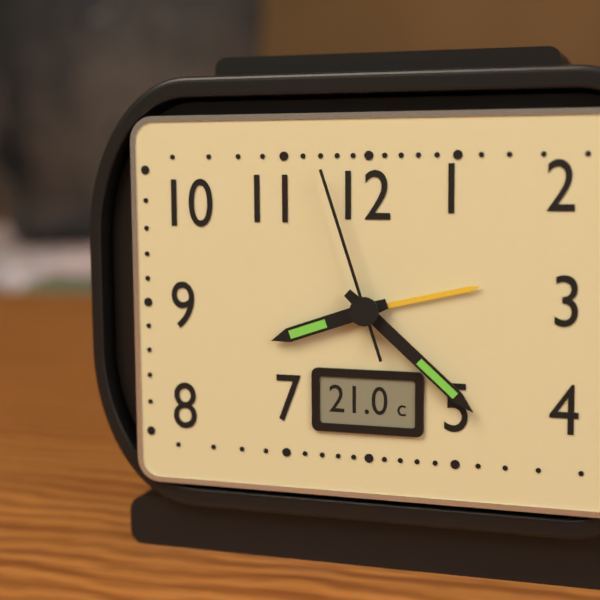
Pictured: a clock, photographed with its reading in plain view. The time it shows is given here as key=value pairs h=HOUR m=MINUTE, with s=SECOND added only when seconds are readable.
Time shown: h=8 m=22 s=57
